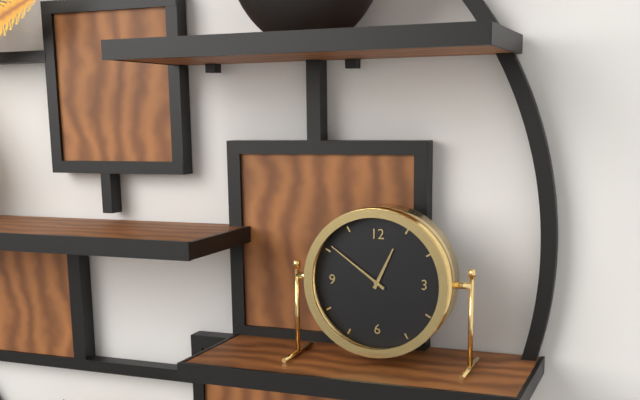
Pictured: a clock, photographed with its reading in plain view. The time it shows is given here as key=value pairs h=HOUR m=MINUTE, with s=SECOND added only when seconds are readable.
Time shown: h=12 m=51
